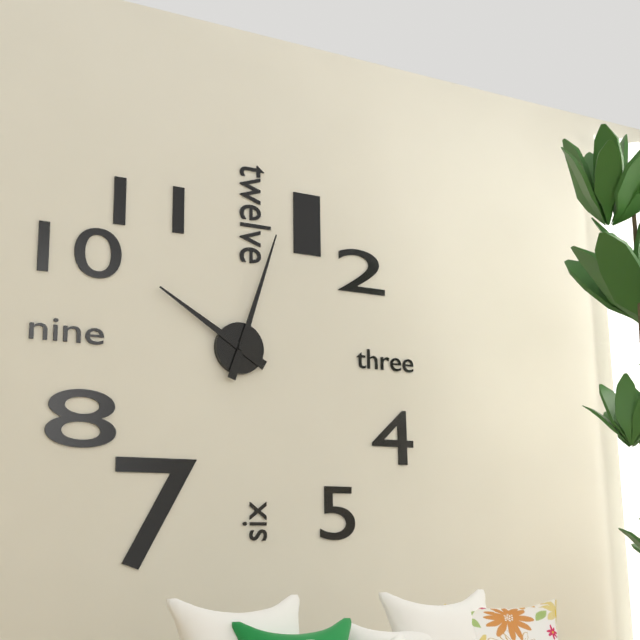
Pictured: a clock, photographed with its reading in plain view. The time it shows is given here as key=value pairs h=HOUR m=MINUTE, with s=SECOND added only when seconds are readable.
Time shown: h=10 m=3
